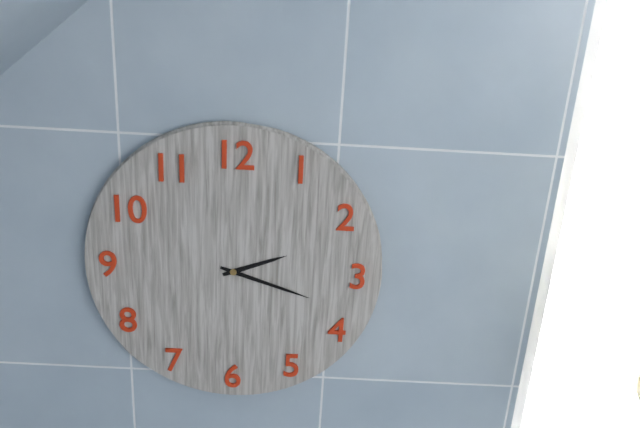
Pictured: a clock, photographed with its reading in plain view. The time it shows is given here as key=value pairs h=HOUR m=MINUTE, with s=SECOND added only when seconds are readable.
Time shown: h=2 m=18
